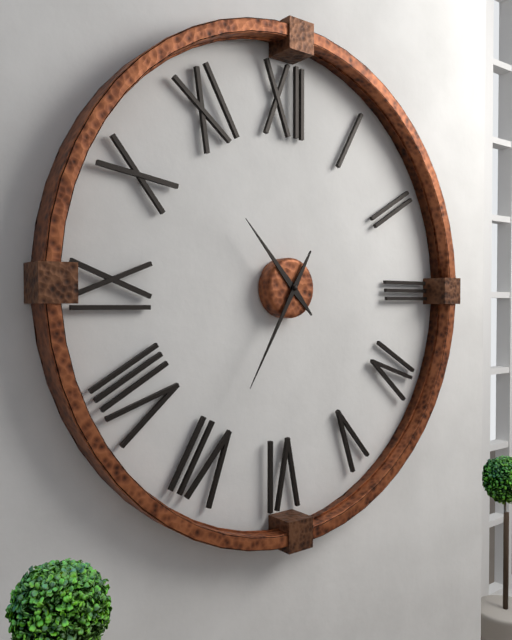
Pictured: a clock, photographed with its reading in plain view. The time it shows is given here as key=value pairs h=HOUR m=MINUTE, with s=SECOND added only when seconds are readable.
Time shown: h=10 m=35
